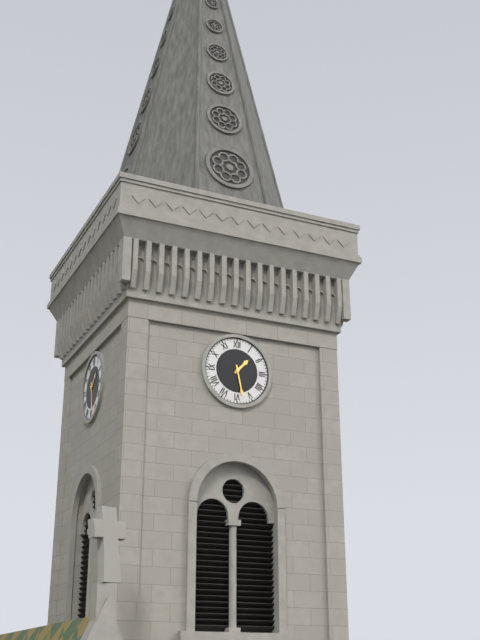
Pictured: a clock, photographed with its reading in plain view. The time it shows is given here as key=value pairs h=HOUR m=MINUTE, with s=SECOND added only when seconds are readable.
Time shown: h=1 m=28
